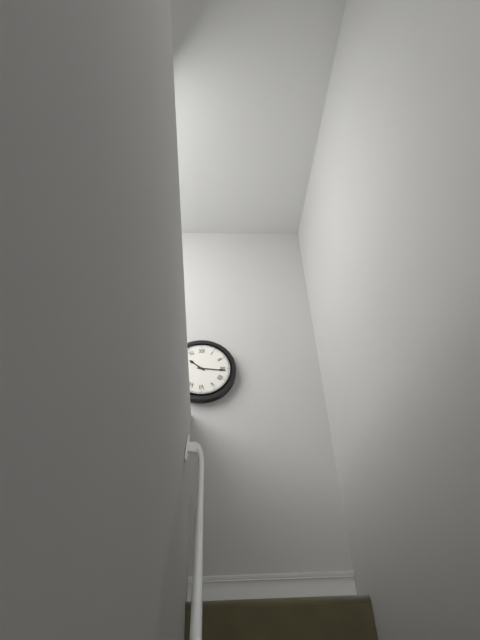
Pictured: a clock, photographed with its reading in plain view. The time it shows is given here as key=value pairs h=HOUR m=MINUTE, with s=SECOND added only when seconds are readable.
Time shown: h=10 m=16
